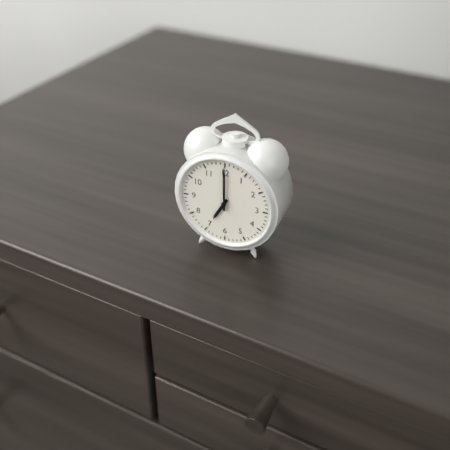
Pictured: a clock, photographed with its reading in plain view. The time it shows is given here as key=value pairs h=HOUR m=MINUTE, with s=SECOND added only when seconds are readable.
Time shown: h=7 m=0
